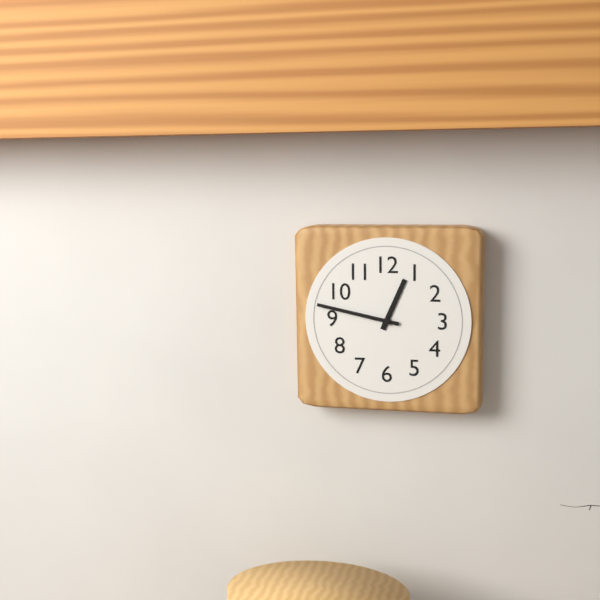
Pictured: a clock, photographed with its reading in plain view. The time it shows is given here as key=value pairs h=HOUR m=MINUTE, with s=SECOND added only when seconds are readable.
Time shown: h=12 m=47
